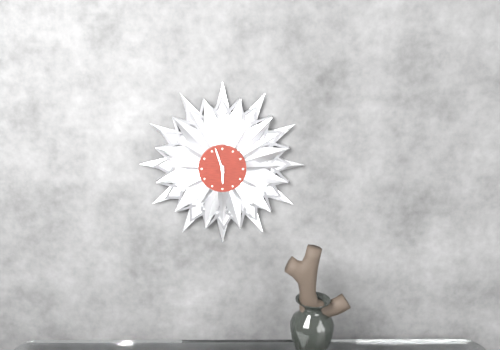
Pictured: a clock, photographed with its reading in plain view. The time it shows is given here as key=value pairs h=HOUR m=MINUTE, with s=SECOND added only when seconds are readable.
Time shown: h=5 m=57
